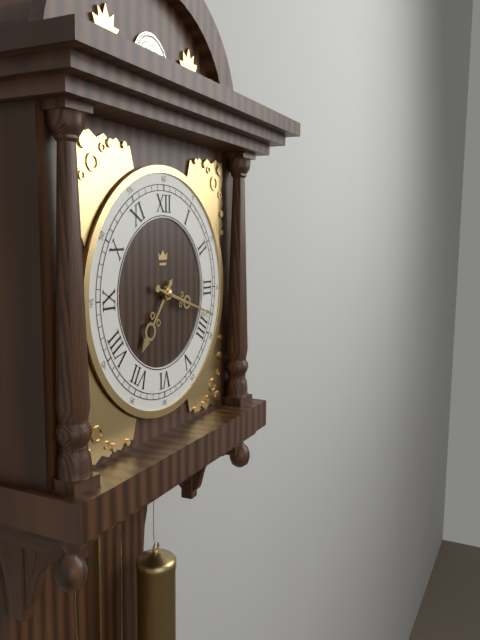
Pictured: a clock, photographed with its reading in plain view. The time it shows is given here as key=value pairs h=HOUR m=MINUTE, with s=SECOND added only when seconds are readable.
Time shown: h=7 m=18
